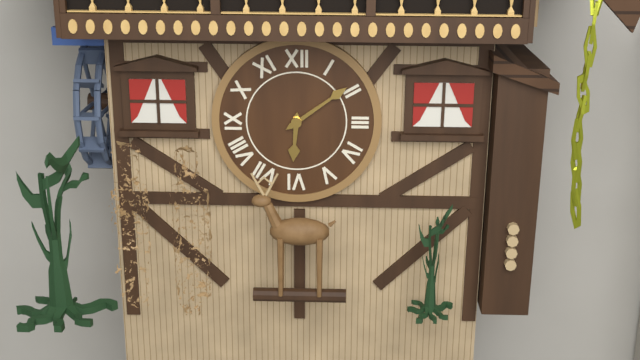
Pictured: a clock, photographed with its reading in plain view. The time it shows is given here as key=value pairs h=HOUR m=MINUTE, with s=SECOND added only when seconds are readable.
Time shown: h=6 m=9
